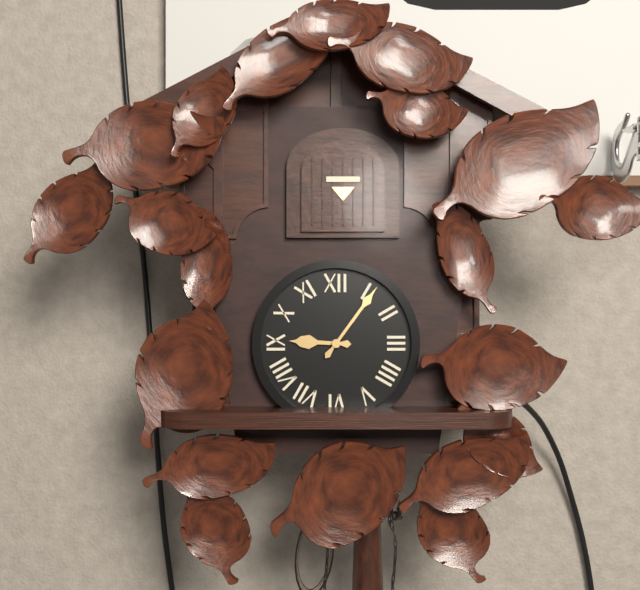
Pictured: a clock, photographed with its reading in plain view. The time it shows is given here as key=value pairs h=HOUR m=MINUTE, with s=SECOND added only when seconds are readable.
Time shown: h=9 m=6
